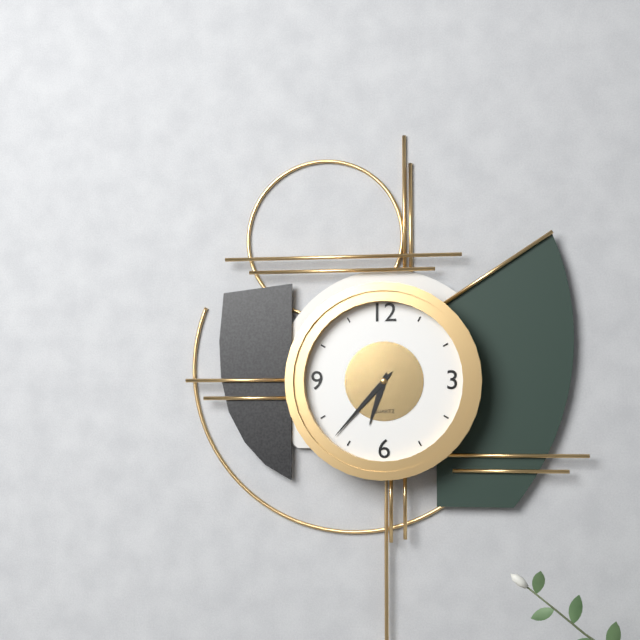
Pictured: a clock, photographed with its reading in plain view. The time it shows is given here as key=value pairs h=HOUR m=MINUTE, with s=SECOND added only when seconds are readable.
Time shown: h=6 m=37
